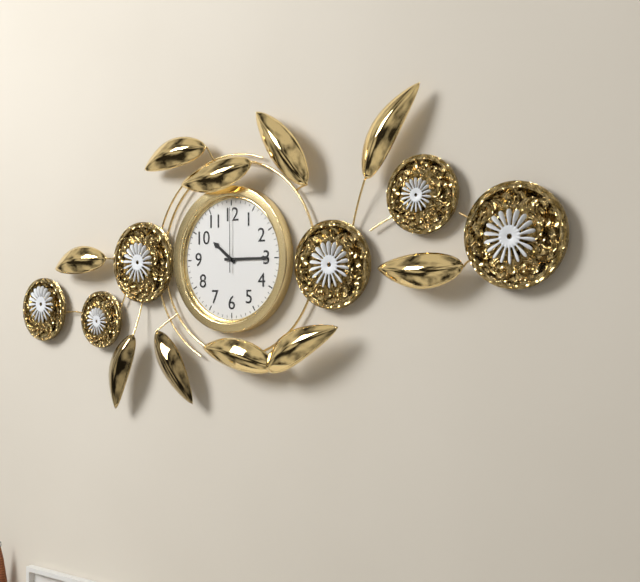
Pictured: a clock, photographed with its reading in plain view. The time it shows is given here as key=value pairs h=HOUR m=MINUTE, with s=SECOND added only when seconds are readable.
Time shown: h=10 m=15 s=0
